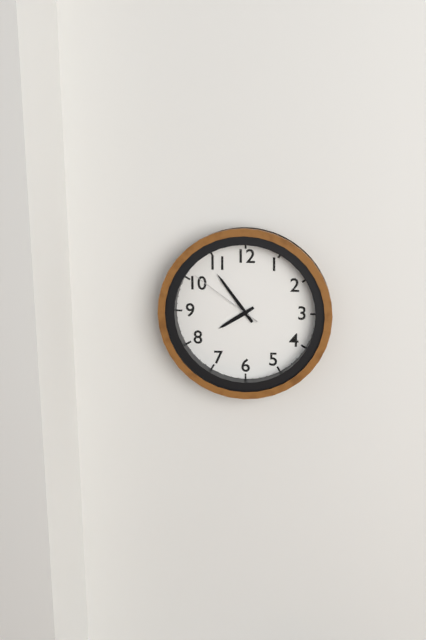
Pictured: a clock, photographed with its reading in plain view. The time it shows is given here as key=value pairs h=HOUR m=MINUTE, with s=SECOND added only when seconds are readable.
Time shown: h=7 m=54 s=51
